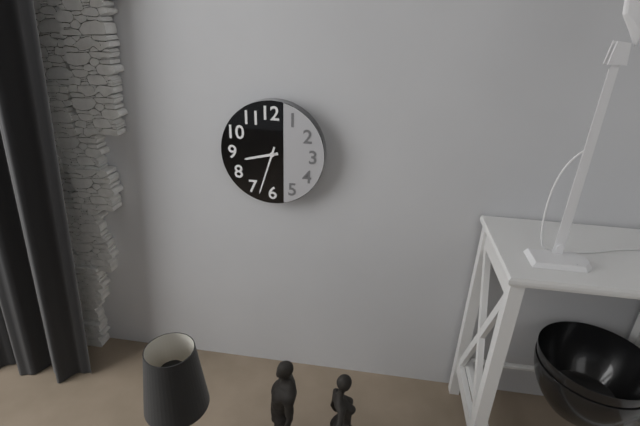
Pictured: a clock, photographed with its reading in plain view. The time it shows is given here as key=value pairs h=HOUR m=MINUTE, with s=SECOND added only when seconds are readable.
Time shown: h=8 m=33
